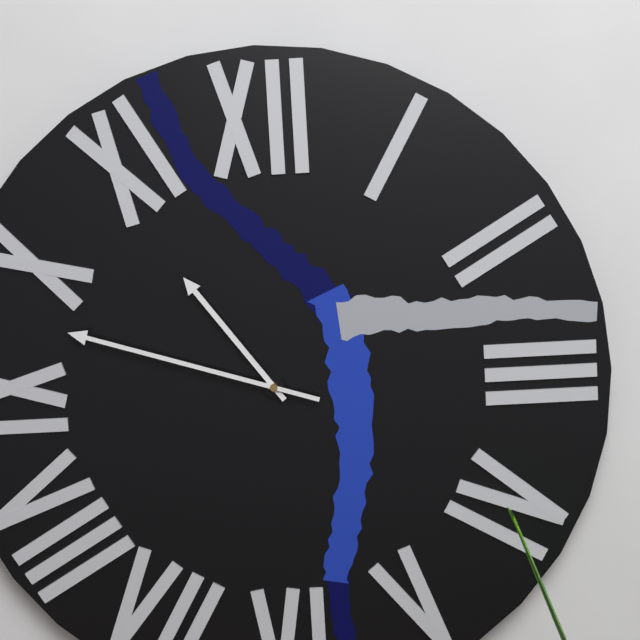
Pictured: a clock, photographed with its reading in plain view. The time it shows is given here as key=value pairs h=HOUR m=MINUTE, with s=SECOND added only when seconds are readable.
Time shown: h=10 m=48
